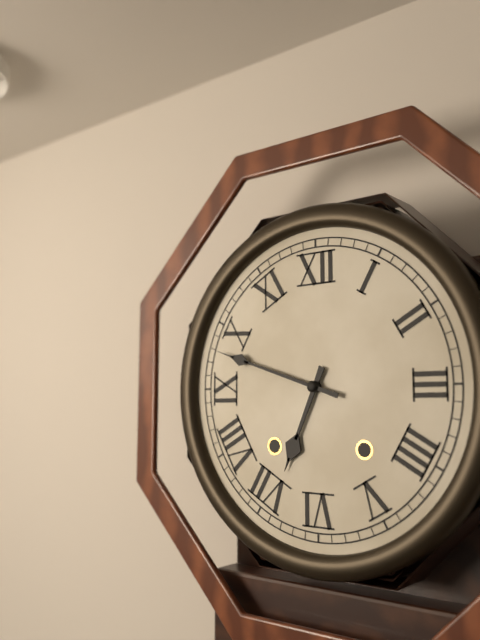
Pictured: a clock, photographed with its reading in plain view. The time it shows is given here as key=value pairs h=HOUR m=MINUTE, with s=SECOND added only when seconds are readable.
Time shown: h=6 m=48
